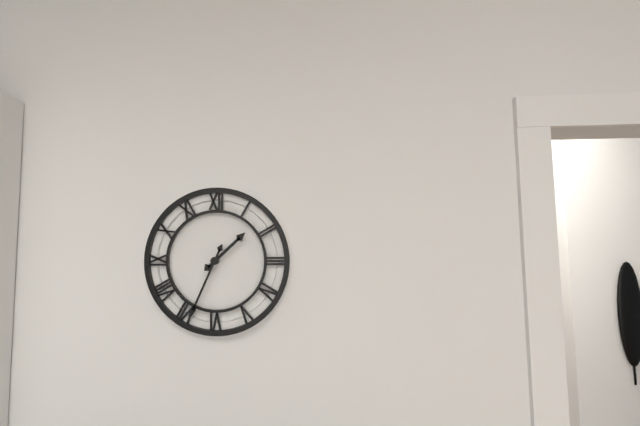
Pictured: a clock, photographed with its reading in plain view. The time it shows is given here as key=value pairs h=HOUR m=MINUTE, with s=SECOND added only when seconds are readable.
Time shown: h=1 m=34
